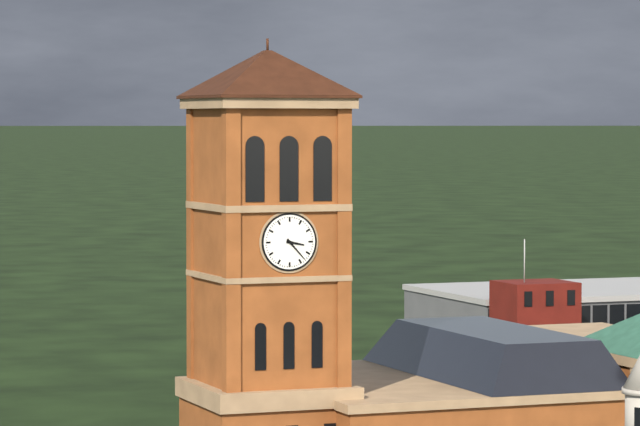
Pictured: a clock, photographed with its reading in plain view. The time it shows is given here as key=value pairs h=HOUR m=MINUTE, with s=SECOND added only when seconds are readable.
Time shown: h=3 m=23
